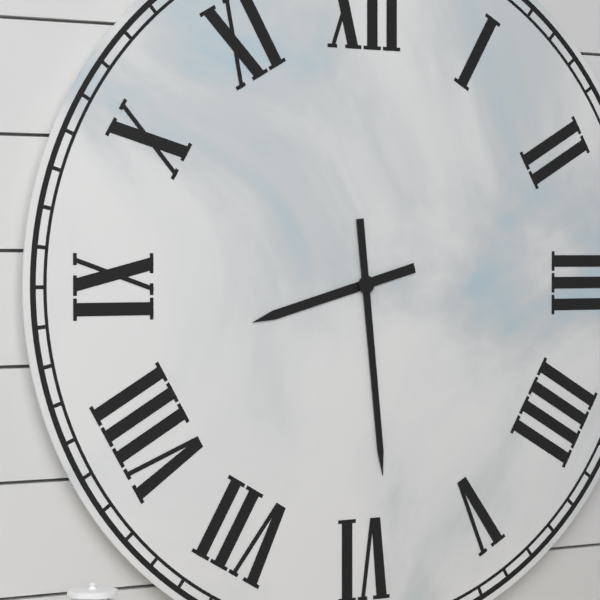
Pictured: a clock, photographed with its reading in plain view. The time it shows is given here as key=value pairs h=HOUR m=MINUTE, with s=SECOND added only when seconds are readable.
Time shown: h=8 m=29
